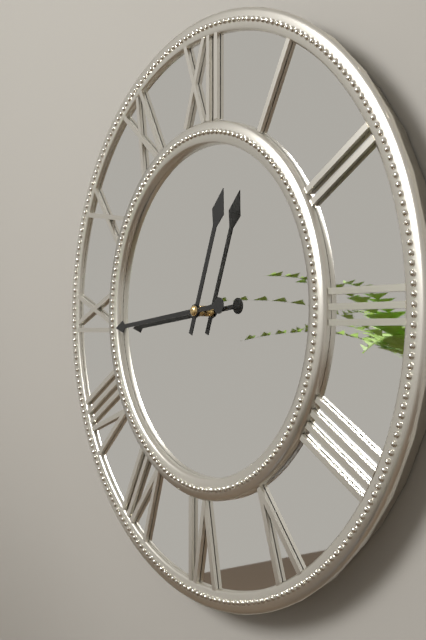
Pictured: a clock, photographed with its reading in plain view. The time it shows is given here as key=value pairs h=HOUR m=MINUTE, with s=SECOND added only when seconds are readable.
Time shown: h=12 m=44
